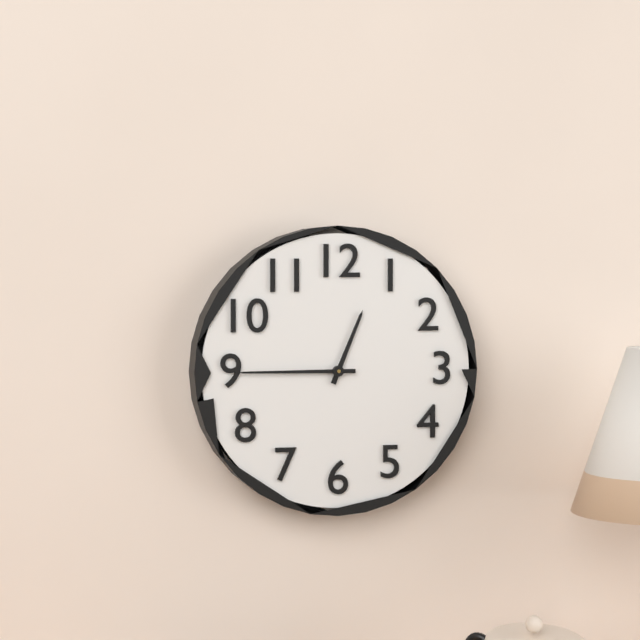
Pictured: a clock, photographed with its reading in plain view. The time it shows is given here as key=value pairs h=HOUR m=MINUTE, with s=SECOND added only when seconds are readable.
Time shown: h=12 m=45
